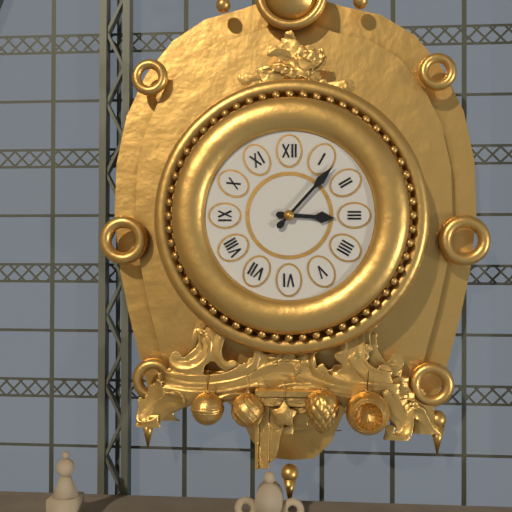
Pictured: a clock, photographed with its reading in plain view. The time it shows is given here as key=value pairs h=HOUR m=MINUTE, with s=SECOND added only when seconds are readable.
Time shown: h=3 m=7
